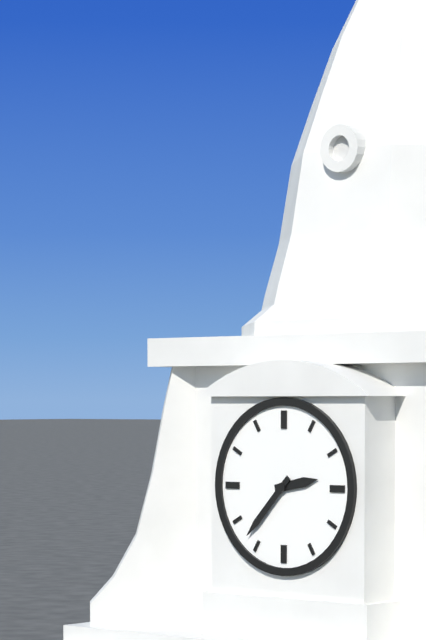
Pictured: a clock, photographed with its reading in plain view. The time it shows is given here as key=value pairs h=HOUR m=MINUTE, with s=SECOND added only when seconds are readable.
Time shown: h=2 m=37
